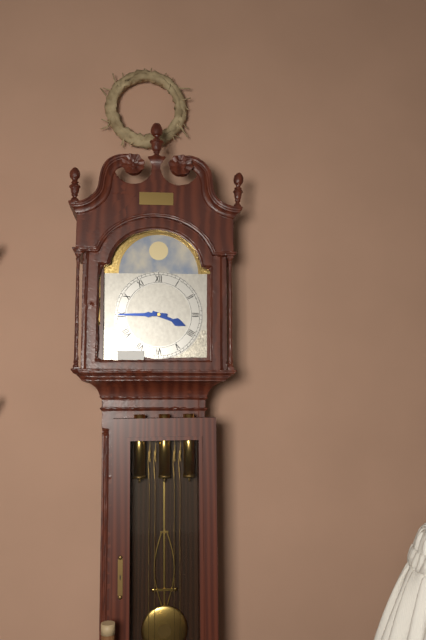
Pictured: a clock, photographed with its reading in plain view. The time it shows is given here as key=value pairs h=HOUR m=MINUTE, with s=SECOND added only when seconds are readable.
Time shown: h=3 m=45
